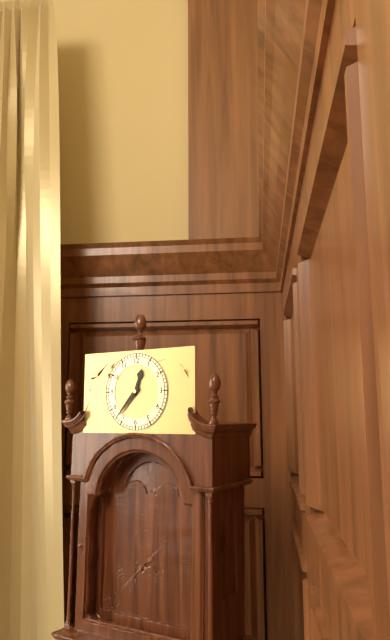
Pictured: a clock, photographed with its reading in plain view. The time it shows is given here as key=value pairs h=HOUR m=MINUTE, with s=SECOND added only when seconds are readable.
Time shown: h=12 m=37
